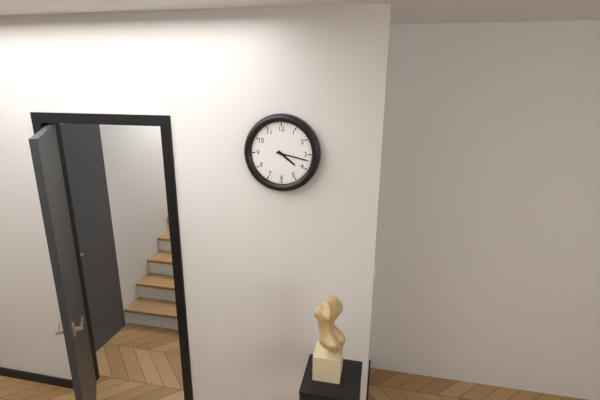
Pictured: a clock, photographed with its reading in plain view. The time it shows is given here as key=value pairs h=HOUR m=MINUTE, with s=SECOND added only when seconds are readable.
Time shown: h=4 m=17
